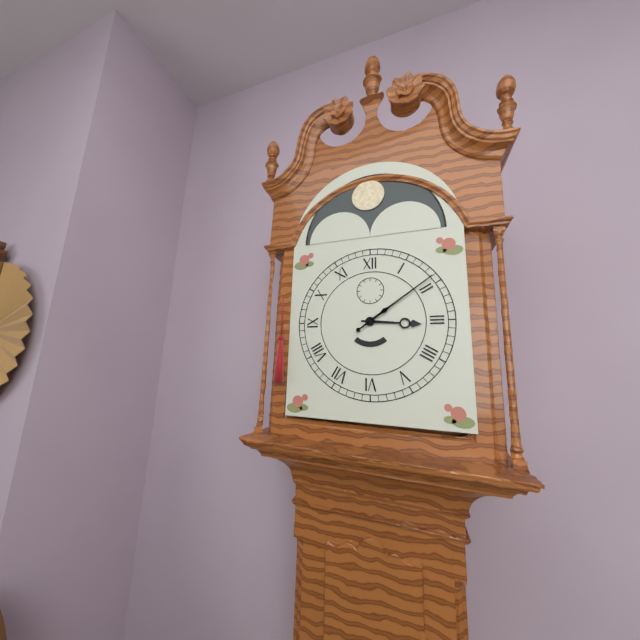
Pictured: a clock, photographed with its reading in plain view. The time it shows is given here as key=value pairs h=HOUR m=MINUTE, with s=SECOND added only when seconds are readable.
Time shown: h=3 m=9
